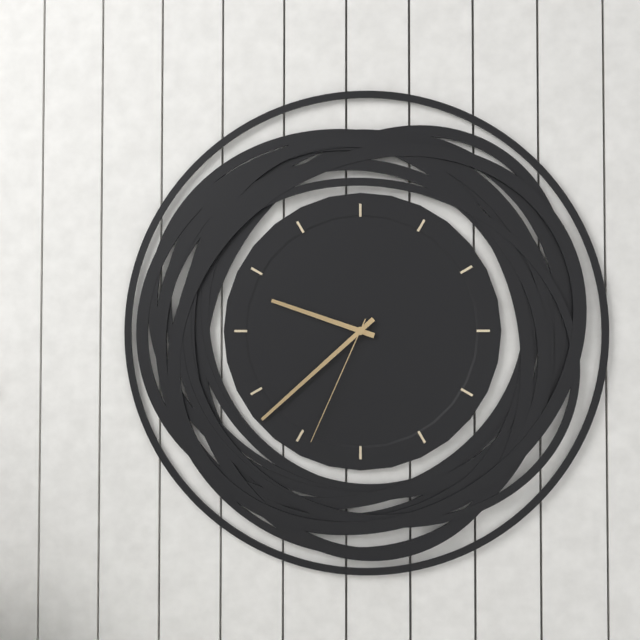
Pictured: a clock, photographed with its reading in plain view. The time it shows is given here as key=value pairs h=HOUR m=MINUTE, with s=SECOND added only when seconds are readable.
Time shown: h=9 m=38 s=34
